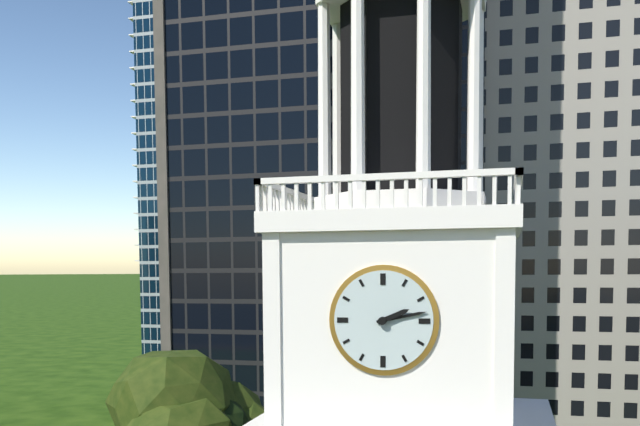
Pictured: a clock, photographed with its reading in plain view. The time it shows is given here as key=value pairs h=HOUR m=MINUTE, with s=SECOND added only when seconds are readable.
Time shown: h=2 m=13
